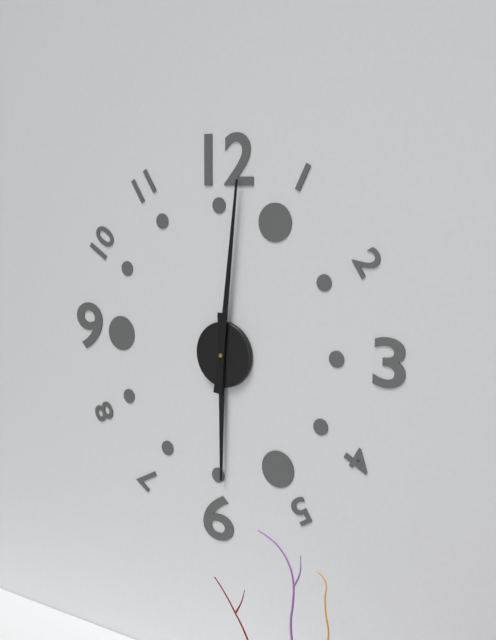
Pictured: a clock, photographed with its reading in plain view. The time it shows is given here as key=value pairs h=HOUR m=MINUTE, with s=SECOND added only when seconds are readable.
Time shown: h=6 m=1
